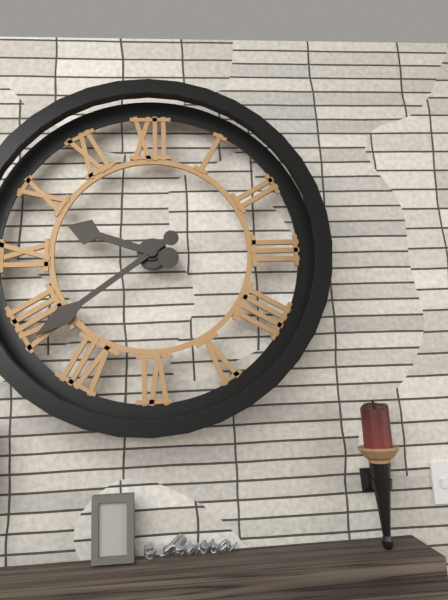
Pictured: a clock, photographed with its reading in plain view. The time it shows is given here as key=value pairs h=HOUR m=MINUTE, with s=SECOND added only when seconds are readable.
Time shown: h=9 m=39
